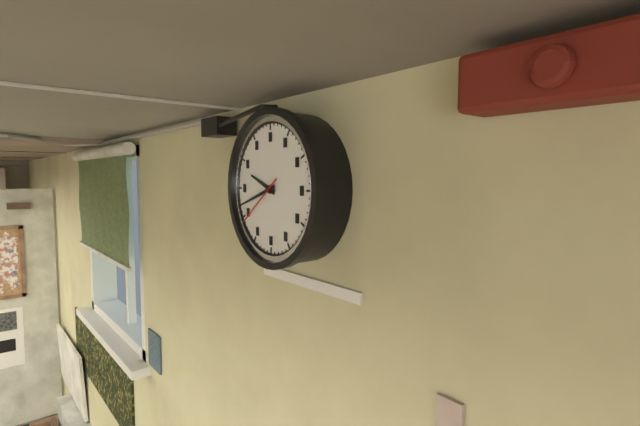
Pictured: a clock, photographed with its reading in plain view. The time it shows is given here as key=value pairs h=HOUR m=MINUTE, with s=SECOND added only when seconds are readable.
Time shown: h=9 m=42 s=39
